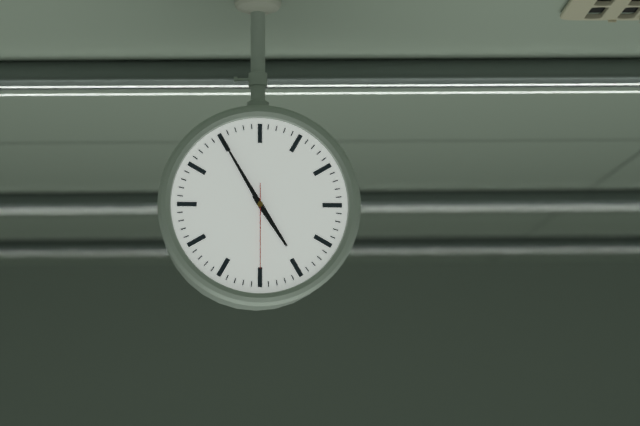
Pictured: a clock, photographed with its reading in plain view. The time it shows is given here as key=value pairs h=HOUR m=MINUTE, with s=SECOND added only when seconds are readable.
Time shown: h=4 m=55 s=30
